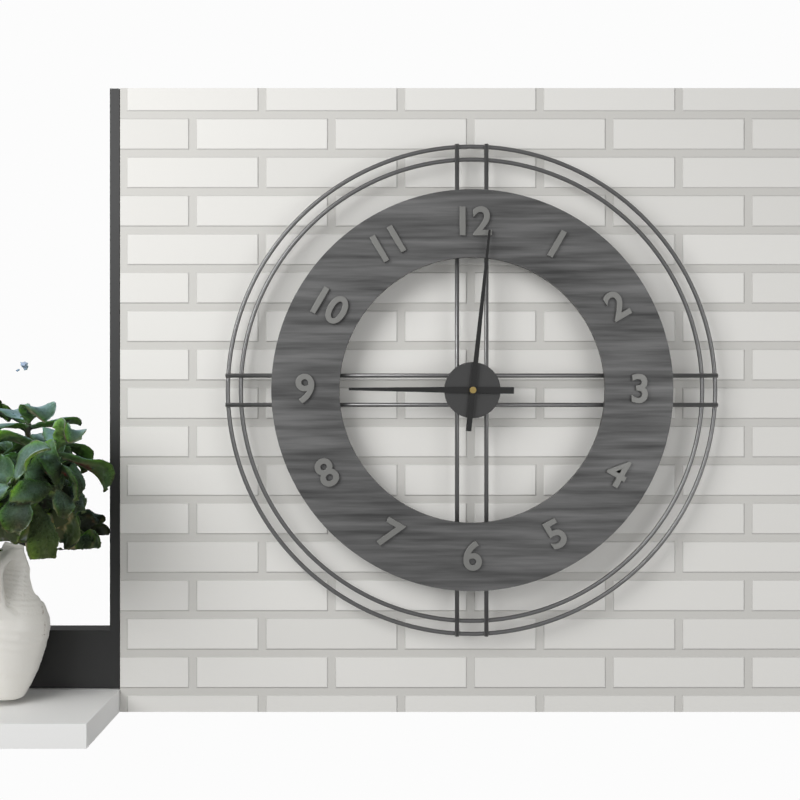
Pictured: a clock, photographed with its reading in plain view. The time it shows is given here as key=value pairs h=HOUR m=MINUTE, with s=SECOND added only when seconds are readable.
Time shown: h=9 m=1
